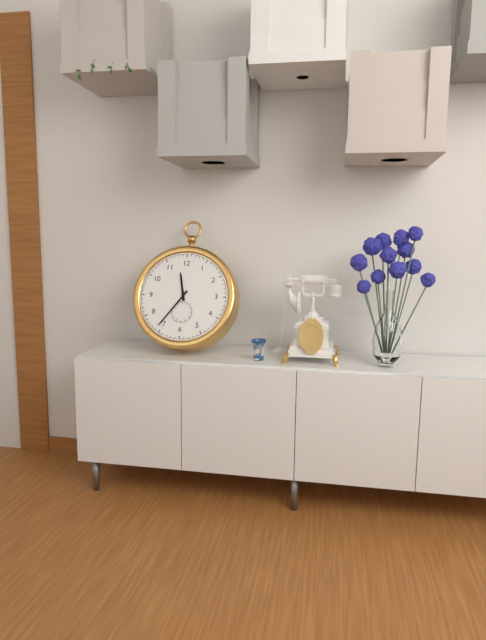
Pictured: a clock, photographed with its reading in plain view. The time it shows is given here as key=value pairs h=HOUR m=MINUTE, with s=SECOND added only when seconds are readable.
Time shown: h=11 m=36
